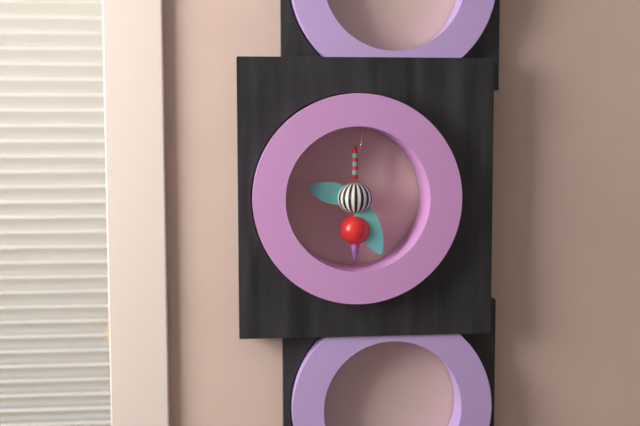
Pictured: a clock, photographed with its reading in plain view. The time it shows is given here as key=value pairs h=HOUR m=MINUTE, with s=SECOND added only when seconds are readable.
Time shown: h=9 m=26
